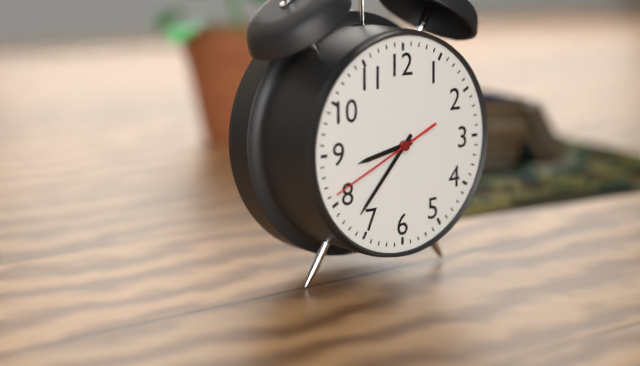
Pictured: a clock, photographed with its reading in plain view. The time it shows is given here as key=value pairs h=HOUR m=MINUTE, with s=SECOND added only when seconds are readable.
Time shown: h=8 m=37 s=41
